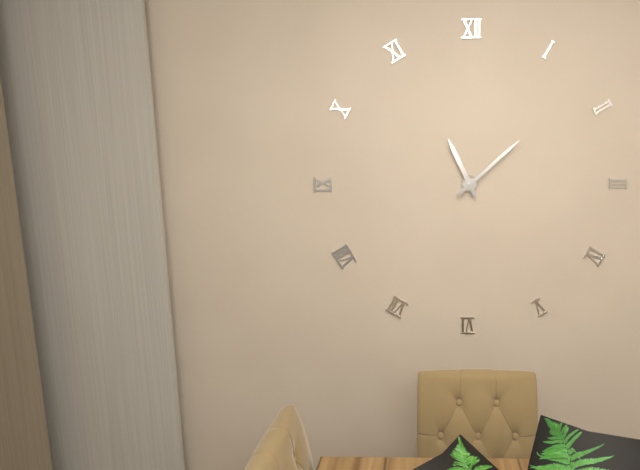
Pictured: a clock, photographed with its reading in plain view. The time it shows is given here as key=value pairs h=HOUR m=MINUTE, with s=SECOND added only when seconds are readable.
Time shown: h=11 m=8
